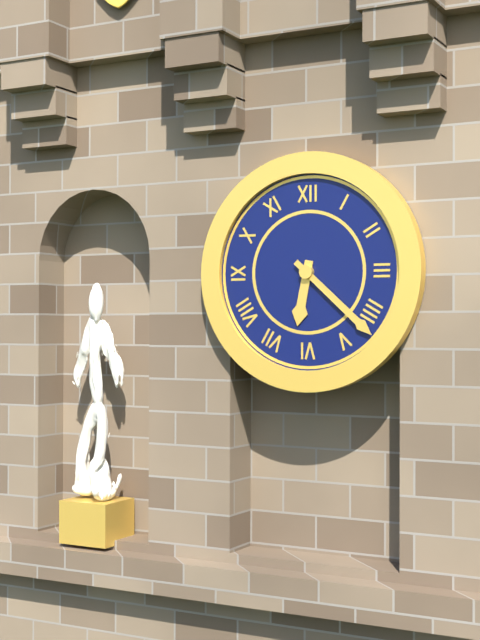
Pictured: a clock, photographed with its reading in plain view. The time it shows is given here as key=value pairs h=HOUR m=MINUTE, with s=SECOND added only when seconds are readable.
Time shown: h=6 m=22
